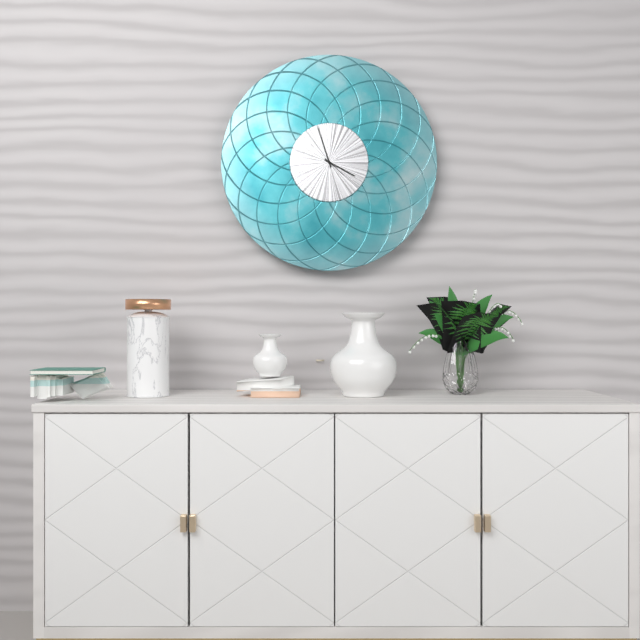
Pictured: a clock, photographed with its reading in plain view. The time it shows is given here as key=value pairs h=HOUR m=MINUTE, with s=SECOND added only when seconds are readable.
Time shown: h=3 m=57
